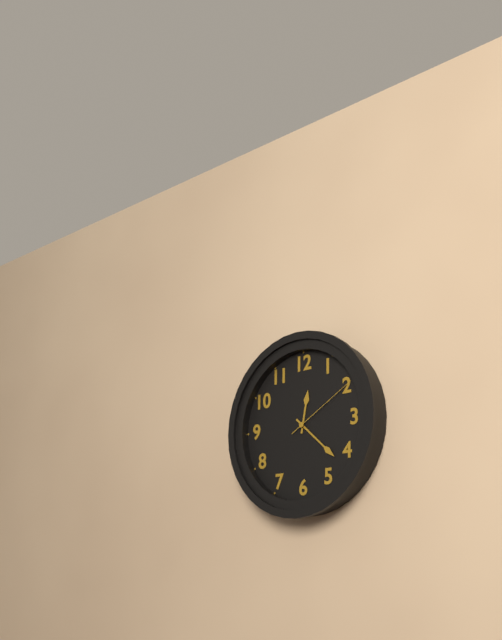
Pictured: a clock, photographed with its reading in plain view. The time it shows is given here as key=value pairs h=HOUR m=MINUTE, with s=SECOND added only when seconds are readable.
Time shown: h=12 m=22 s=10
